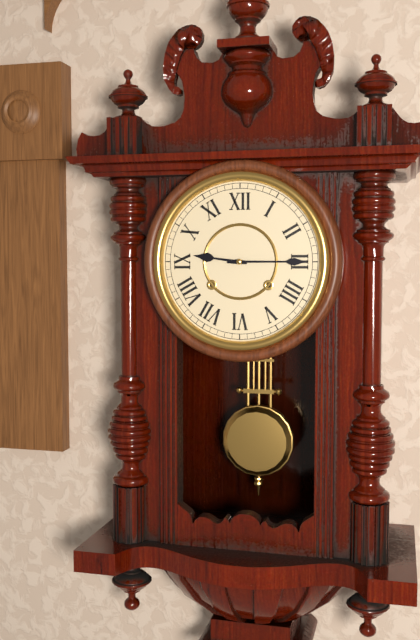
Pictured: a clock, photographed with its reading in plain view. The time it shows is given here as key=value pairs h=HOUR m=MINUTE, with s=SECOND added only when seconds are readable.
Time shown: h=9 m=15
